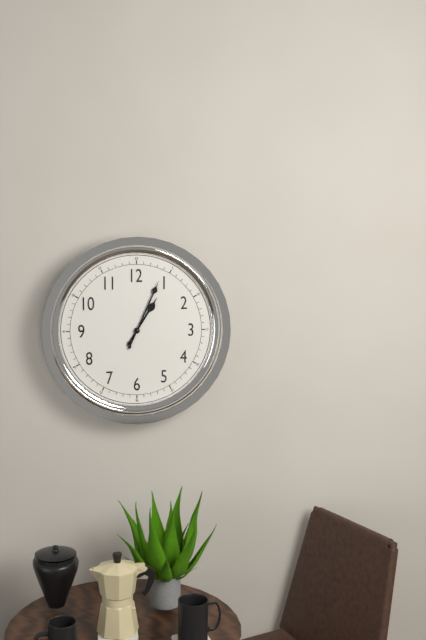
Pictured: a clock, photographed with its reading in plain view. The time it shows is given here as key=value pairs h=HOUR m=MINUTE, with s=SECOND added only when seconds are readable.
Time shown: h=1 m=4
